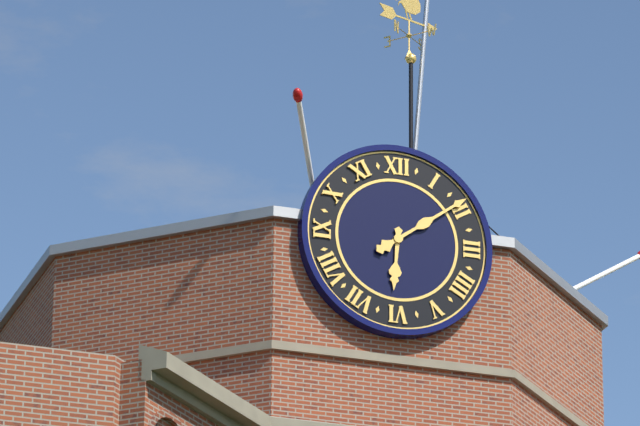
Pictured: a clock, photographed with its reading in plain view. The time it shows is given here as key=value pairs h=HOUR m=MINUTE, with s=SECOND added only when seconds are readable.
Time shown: h=6 m=9
